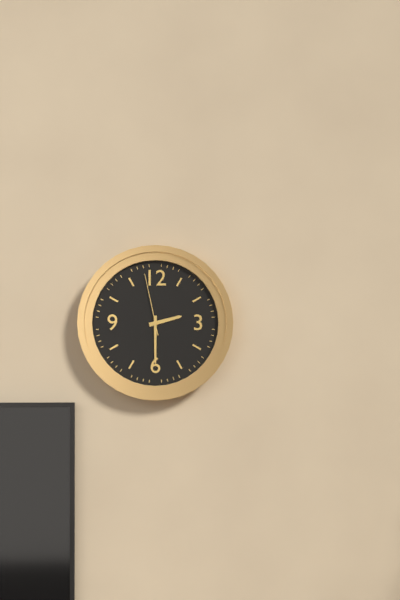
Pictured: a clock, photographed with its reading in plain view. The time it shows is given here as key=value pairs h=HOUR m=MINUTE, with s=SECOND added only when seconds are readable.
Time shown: h=2 m=30 s=58
